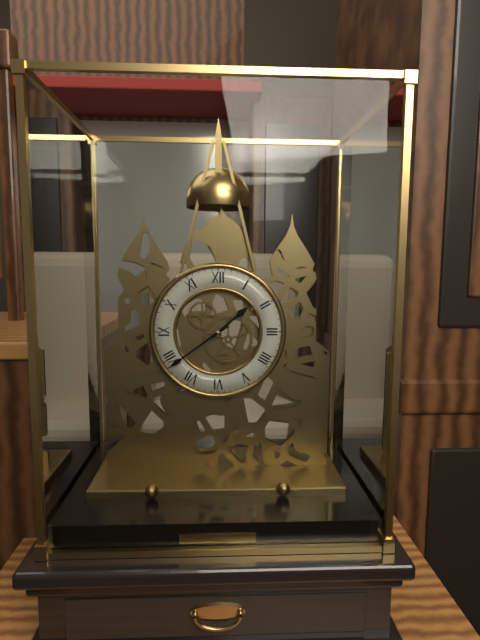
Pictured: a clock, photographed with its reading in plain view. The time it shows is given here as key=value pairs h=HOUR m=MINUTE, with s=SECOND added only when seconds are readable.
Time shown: h=1 m=39
